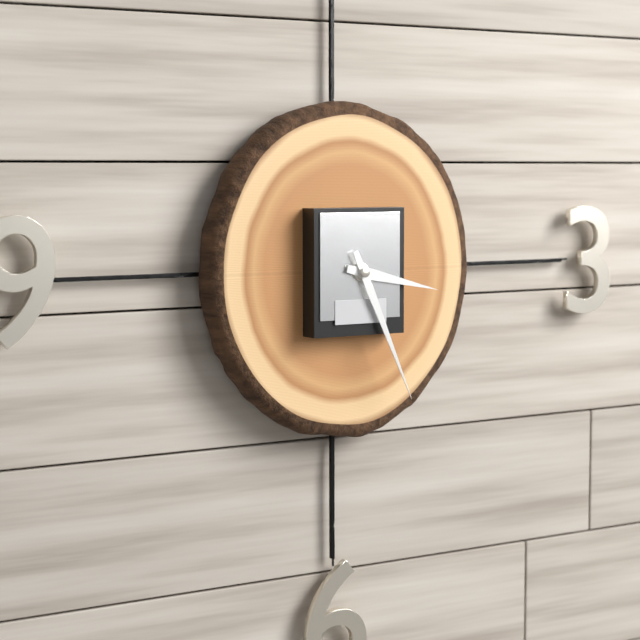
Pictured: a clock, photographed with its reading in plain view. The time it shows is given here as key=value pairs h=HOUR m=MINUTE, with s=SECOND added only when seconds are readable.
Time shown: h=3 m=26
